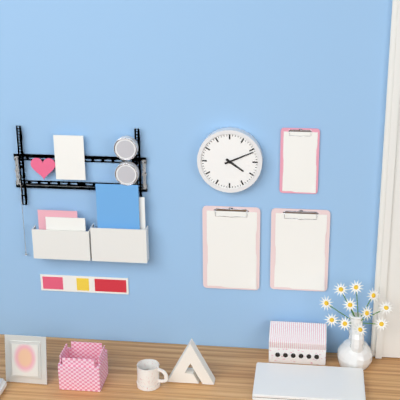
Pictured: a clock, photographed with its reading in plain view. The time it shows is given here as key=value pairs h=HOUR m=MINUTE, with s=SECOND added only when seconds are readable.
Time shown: h=4 m=11
